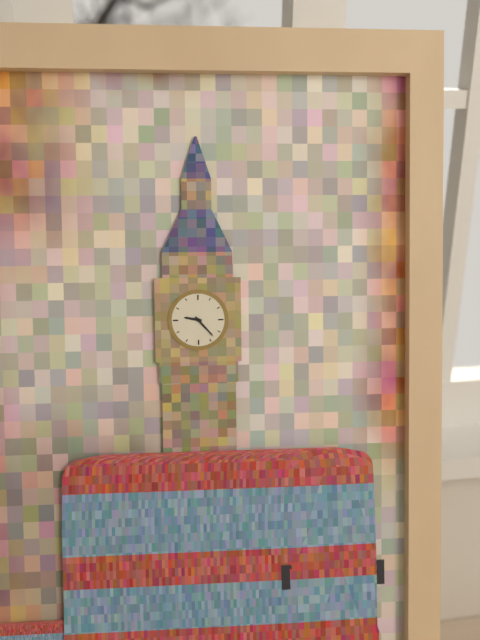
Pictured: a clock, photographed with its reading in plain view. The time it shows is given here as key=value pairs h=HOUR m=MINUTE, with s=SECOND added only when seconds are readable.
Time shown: h=9 m=23
